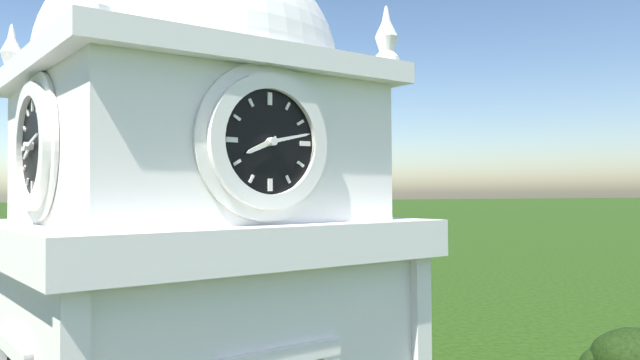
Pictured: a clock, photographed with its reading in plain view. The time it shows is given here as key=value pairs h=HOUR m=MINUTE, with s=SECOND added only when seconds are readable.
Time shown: h=8 m=13
